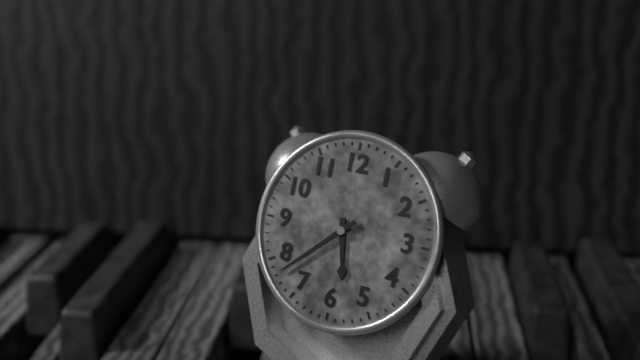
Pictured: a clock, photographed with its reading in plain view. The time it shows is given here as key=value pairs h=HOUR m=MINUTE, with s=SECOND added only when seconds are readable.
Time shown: h=5 m=38
